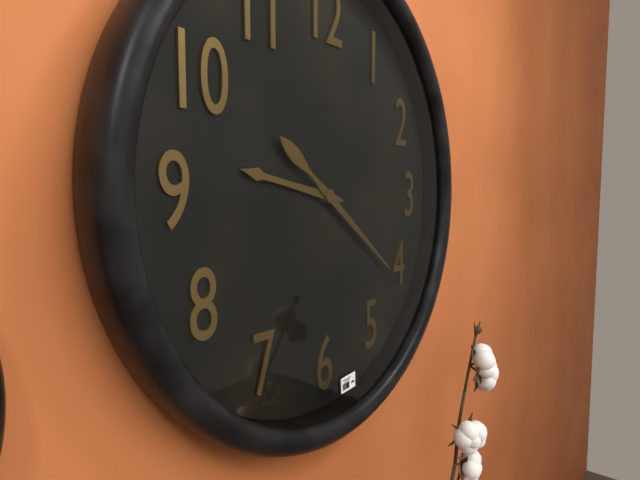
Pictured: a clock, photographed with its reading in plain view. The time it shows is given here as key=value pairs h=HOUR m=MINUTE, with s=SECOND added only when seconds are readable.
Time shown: h=9 m=21
